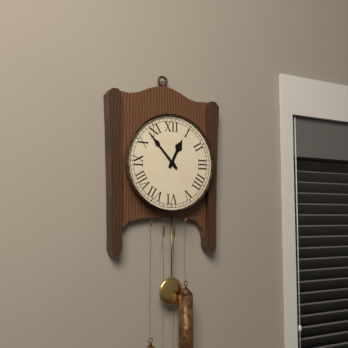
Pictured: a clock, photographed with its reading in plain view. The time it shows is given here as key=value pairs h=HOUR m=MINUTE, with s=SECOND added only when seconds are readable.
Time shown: h=12 m=53
